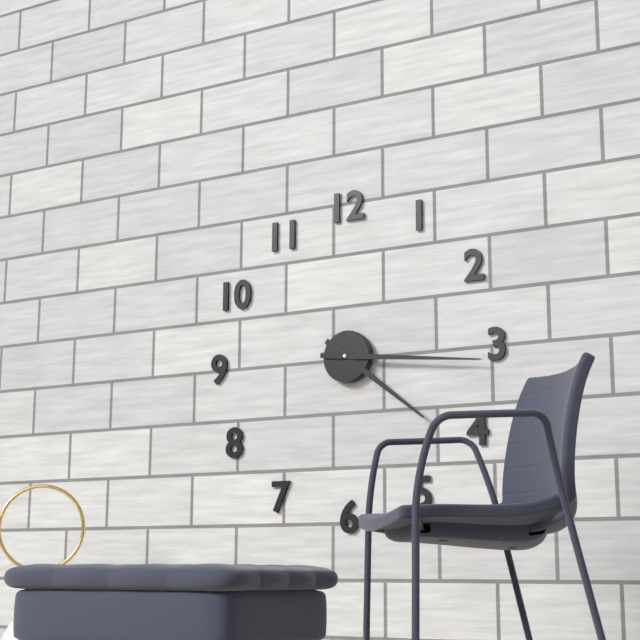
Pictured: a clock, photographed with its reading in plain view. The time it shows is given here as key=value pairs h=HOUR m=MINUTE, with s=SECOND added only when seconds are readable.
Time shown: h=4 m=16
